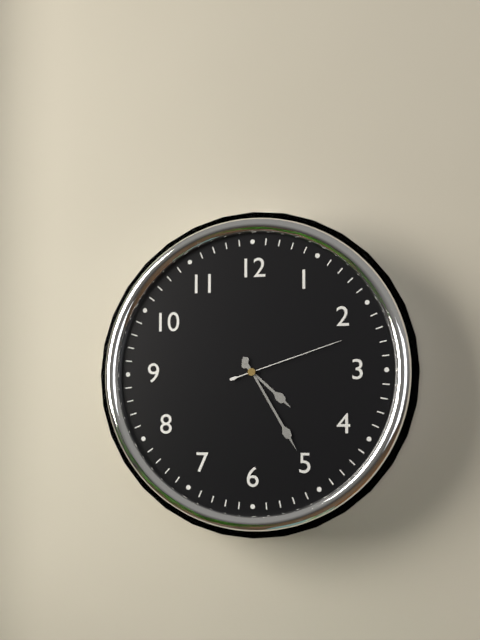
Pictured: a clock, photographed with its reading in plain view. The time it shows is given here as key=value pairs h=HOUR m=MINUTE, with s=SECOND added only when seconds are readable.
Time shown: h=4 m=25 s=12
